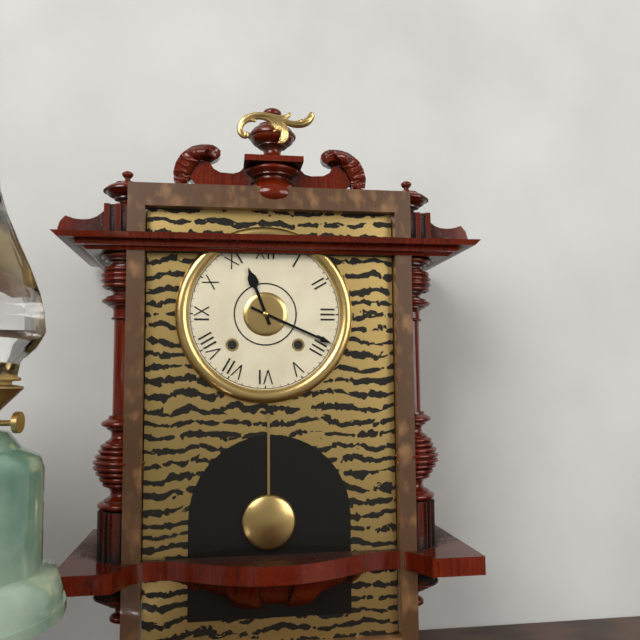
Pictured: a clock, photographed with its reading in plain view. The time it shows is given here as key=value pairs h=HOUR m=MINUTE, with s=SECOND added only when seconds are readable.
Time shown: h=11 m=19
